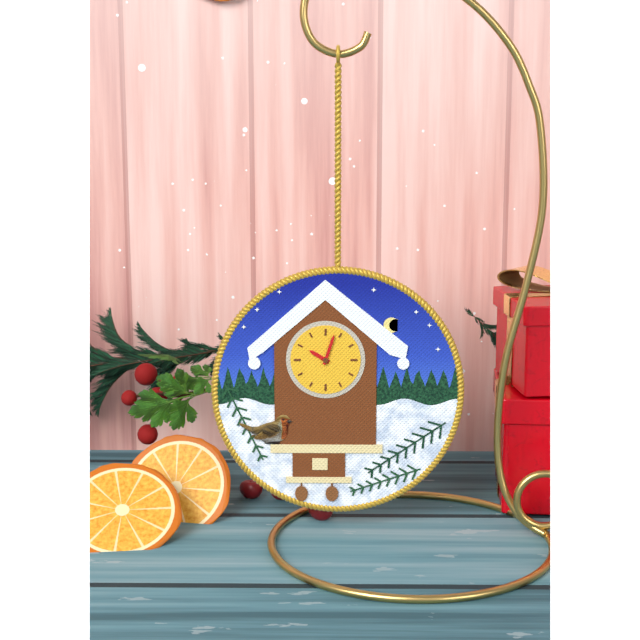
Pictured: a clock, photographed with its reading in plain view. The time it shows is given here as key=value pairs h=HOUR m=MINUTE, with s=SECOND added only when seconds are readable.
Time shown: h=10 m=3
